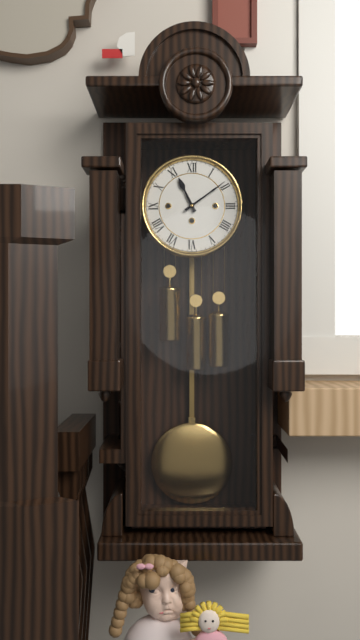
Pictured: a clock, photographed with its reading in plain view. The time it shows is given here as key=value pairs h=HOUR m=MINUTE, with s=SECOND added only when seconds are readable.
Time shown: h=11 m=9
